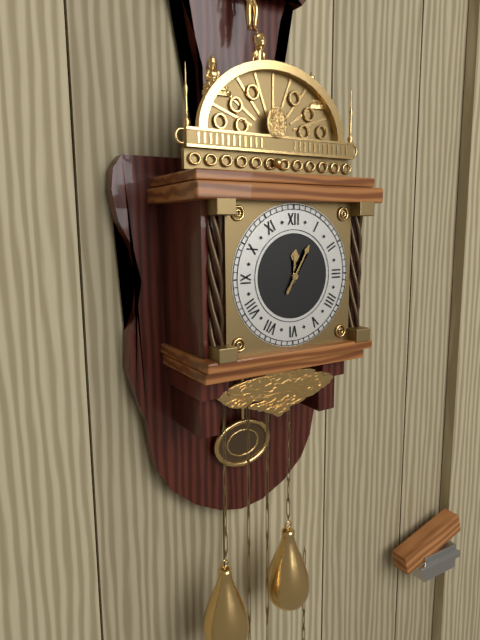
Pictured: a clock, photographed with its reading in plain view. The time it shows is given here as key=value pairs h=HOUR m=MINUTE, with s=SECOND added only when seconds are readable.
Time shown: h=12 m=5
